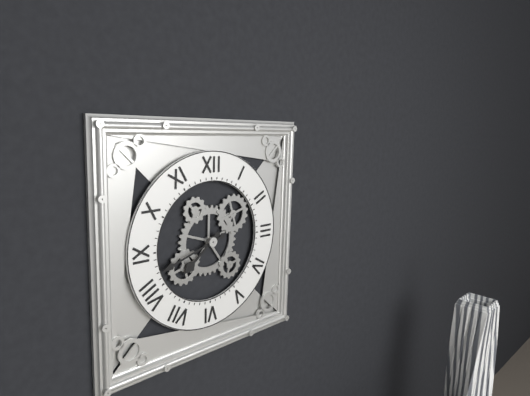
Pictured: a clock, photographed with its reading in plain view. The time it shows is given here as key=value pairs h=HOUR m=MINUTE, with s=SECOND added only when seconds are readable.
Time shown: h=7 m=42
